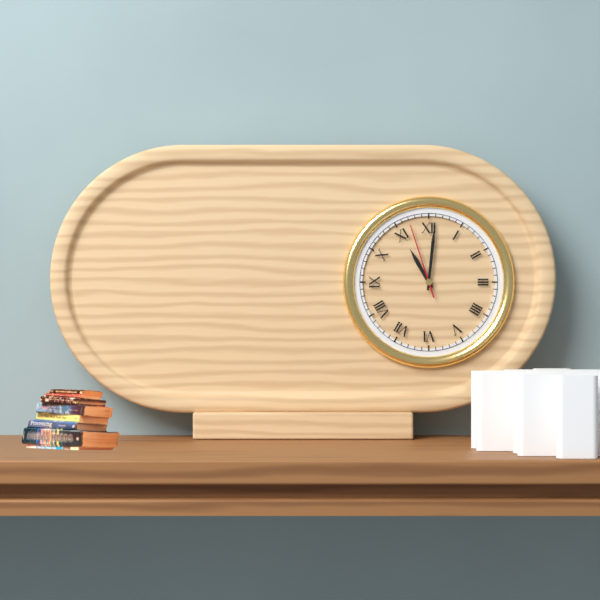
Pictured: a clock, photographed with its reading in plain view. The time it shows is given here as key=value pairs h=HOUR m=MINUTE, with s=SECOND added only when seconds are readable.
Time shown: h=11 m=1 s=57
